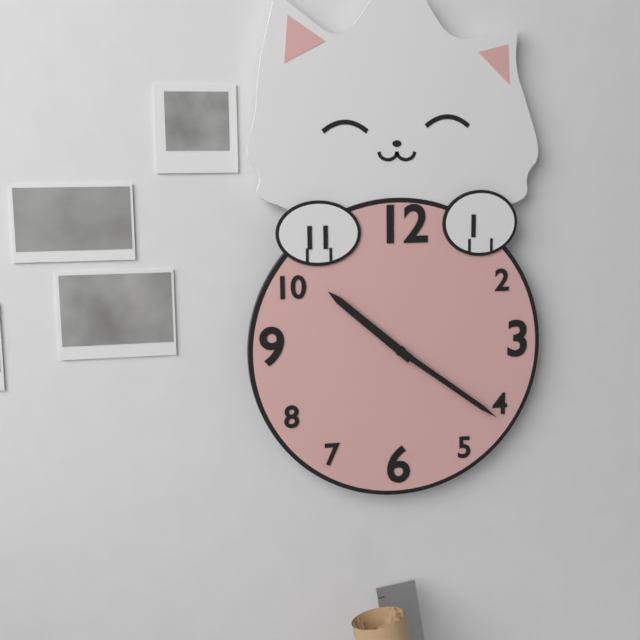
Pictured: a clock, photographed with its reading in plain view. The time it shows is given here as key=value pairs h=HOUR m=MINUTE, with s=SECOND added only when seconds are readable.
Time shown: h=10 m=21
